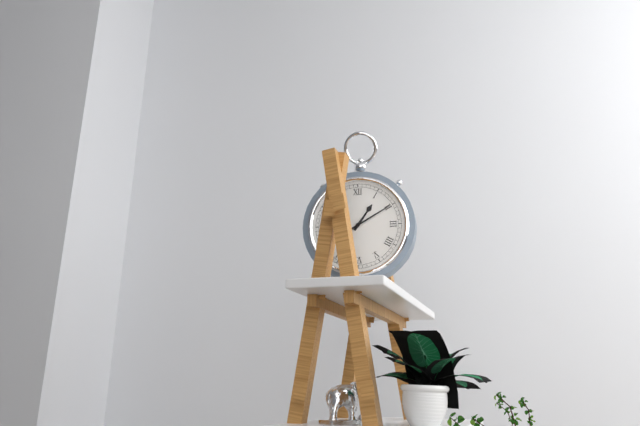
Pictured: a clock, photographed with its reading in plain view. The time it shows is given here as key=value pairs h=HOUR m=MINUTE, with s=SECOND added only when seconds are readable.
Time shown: h=1 m=10
